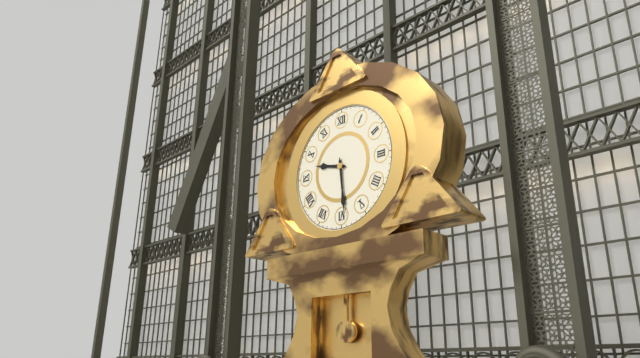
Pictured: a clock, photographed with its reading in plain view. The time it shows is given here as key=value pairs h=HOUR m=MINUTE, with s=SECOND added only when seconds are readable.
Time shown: h=9 m=29
